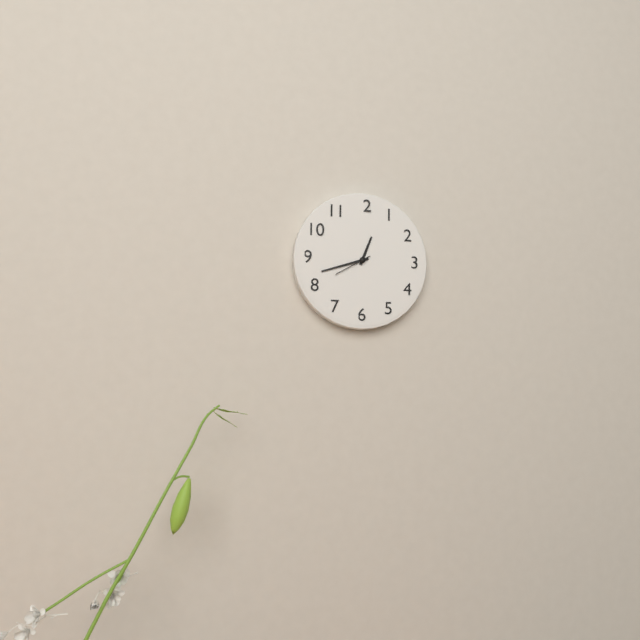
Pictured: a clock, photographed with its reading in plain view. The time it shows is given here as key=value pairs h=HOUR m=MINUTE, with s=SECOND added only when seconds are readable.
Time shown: h=12 m=42
